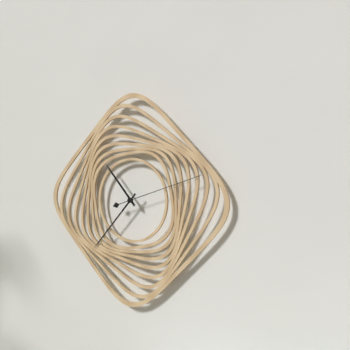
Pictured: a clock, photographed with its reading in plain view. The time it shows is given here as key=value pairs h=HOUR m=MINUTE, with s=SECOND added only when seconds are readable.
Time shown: h=10 m=37 s=12
